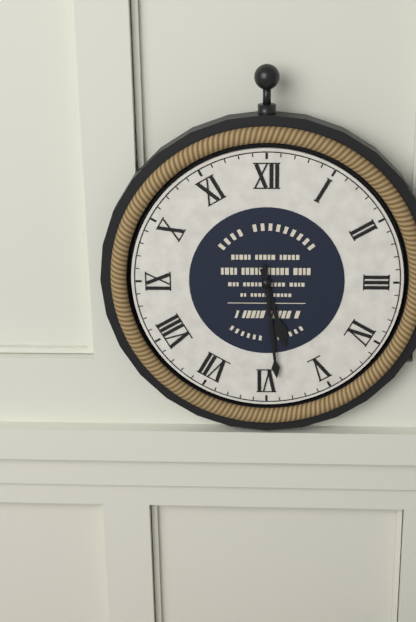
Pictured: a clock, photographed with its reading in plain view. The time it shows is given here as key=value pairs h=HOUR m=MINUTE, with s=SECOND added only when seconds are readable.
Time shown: h=5 m=29
